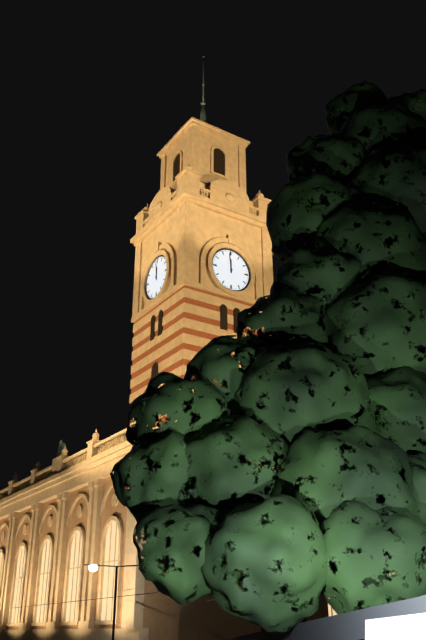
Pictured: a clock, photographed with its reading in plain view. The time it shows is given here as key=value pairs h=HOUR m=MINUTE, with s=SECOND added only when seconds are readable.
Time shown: h=11 m=59
